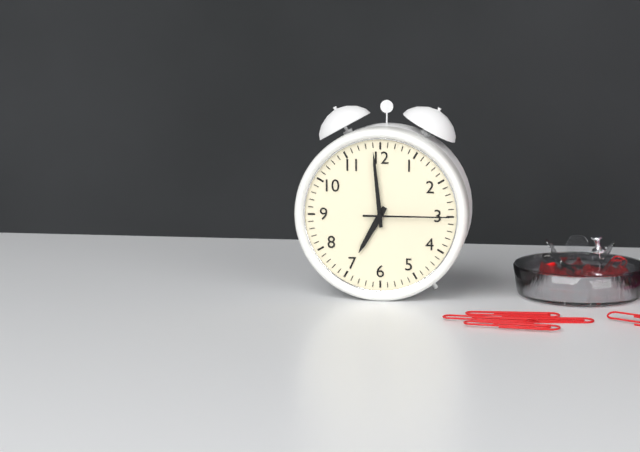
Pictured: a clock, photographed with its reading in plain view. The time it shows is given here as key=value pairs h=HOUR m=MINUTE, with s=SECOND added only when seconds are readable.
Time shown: h=6 m=59 s=15
